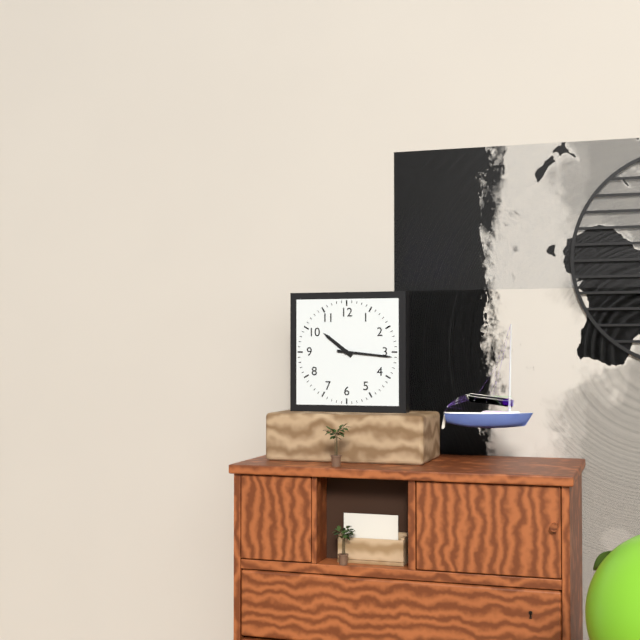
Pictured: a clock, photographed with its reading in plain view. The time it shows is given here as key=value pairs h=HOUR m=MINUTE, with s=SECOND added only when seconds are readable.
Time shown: h=10 m=16
